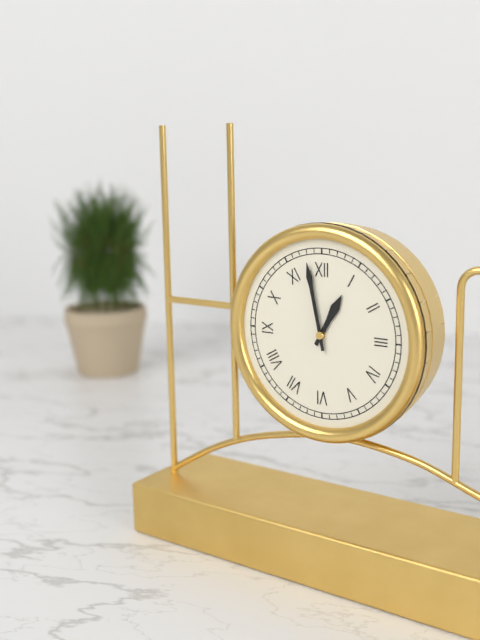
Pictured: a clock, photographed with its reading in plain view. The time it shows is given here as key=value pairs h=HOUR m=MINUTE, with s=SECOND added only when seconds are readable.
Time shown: h=12 m=58
